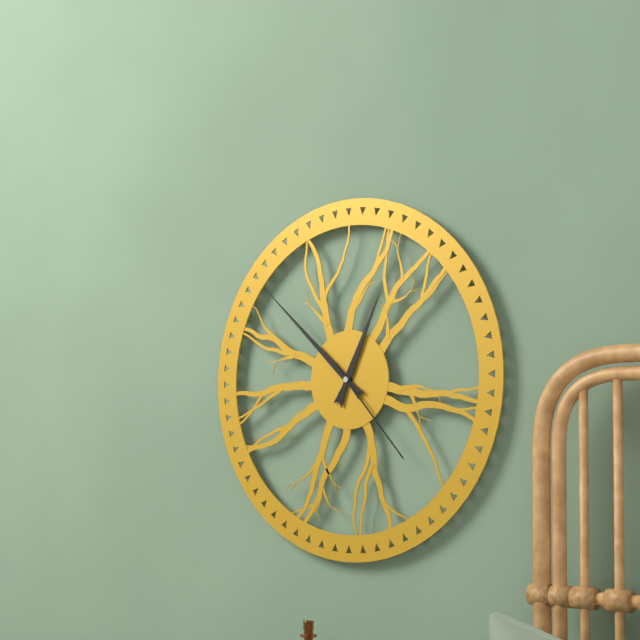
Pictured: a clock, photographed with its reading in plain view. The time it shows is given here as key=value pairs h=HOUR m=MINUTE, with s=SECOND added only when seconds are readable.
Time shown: h=12 m=52 s=23
